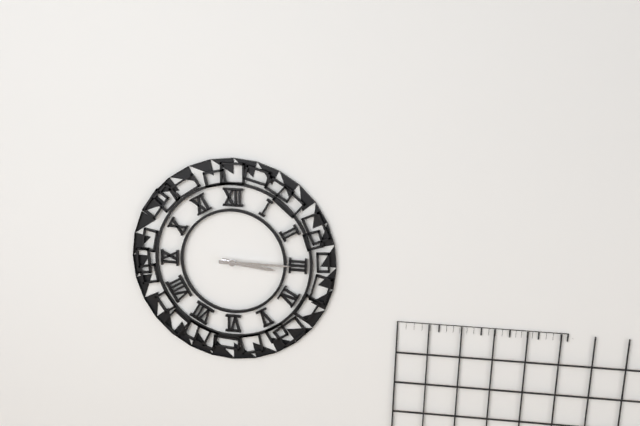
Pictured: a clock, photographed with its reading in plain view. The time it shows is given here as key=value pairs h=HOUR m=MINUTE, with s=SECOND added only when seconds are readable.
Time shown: h=3 m=15
